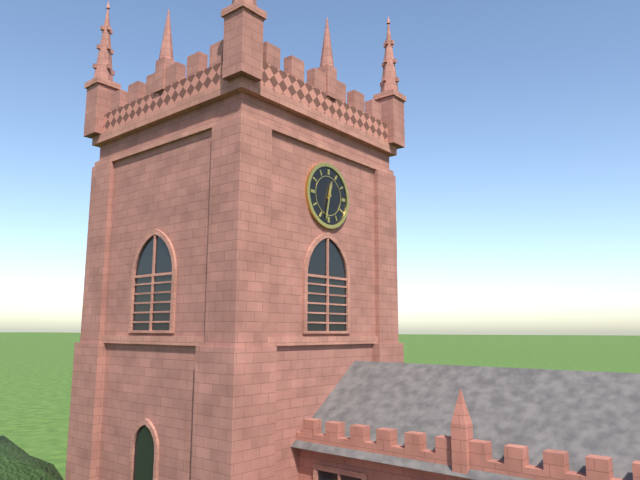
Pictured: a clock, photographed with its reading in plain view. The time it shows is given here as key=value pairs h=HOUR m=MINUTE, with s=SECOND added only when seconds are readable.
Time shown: h=12 m=32
